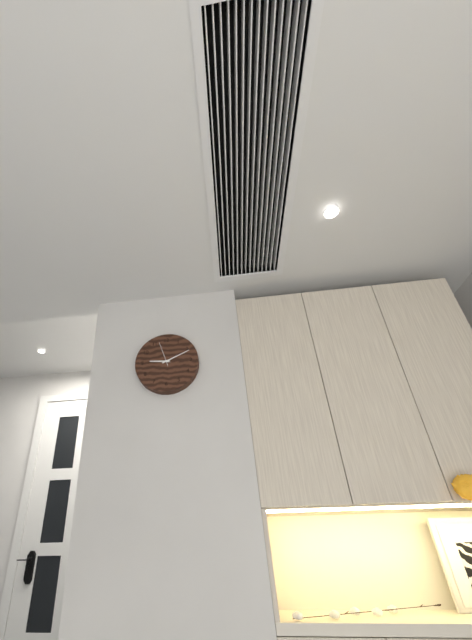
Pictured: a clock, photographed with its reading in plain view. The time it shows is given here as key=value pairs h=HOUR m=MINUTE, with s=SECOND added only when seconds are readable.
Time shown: h=9 m=11
